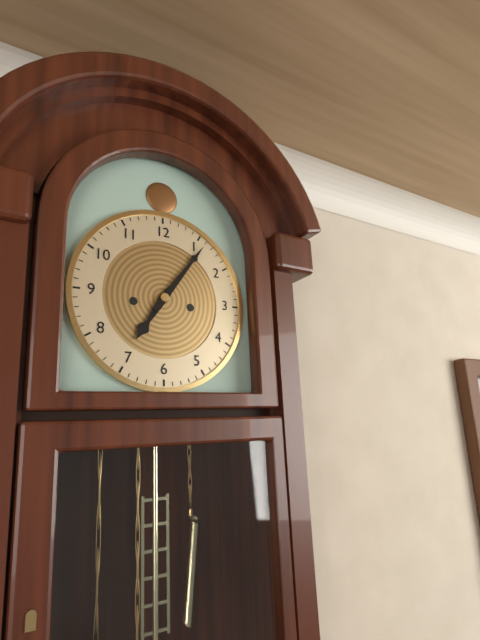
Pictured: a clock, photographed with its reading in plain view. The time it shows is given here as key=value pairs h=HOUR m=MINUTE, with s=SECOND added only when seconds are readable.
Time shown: h=7 m=6
